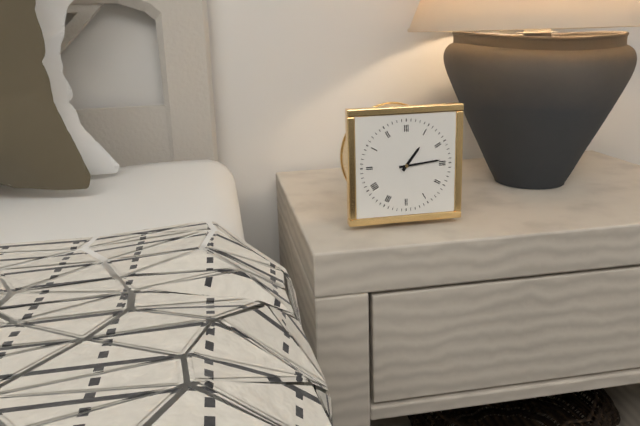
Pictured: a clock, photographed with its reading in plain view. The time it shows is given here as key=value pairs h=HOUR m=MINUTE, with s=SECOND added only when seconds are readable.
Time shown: h=1 m=14
